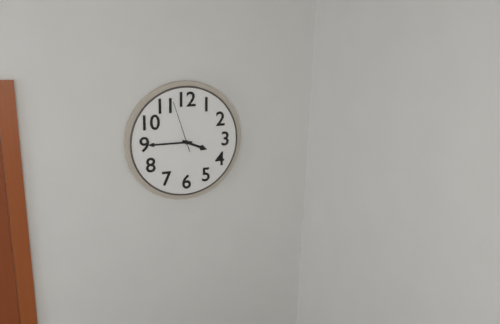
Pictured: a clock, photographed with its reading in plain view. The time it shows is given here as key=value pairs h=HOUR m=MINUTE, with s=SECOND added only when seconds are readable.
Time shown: h=3 m=45 s=57
